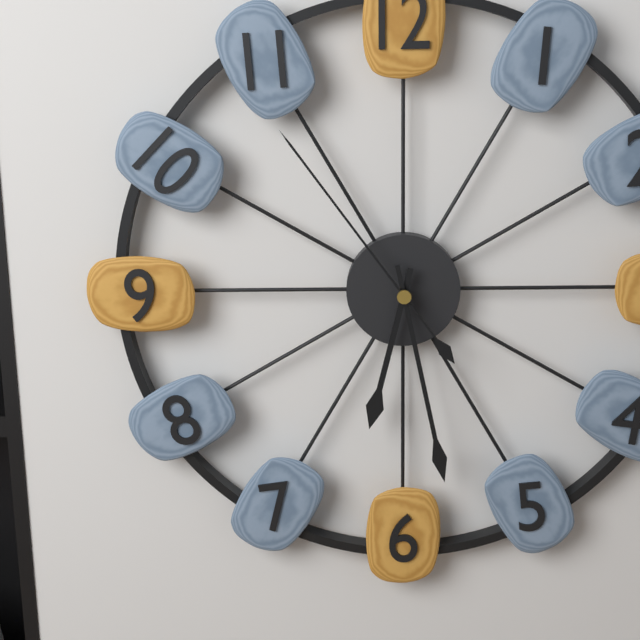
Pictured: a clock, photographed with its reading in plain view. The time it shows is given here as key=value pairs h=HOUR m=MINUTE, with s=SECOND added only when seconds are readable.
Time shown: h=6 m=28 s=54
